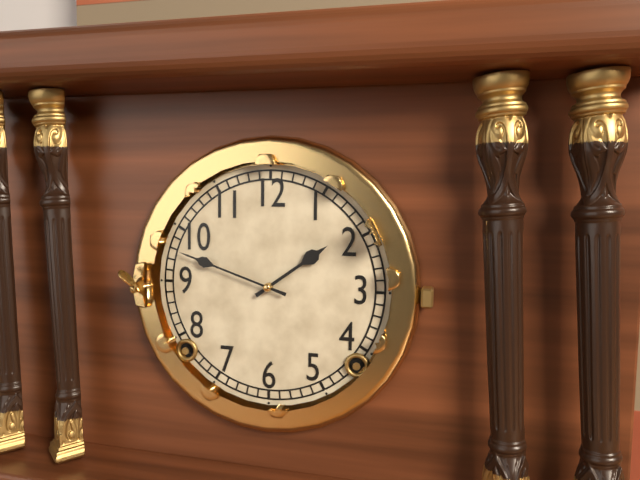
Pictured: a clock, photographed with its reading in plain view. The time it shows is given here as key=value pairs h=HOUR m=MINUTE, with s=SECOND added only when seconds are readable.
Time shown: h=1 m=48
